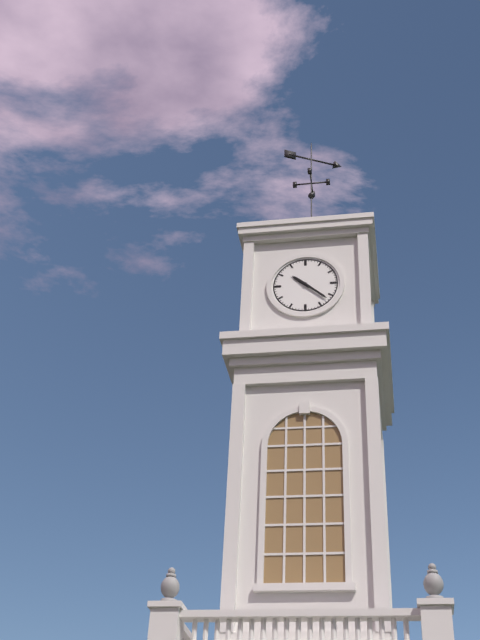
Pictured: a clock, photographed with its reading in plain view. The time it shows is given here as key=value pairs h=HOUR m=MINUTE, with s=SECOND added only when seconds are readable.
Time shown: h=10 m=22
